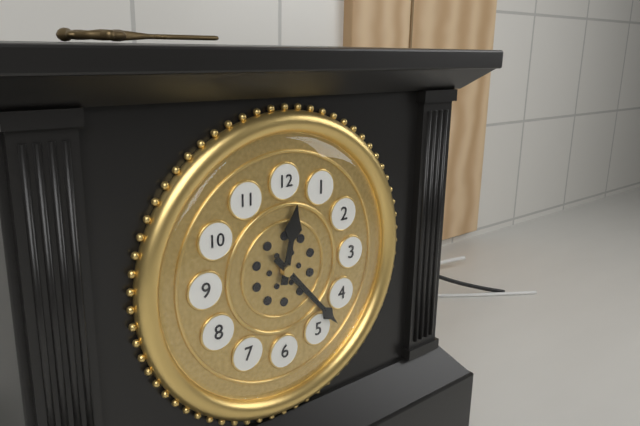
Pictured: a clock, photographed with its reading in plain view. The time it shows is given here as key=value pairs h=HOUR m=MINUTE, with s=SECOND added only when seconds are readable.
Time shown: h=12 m=23
